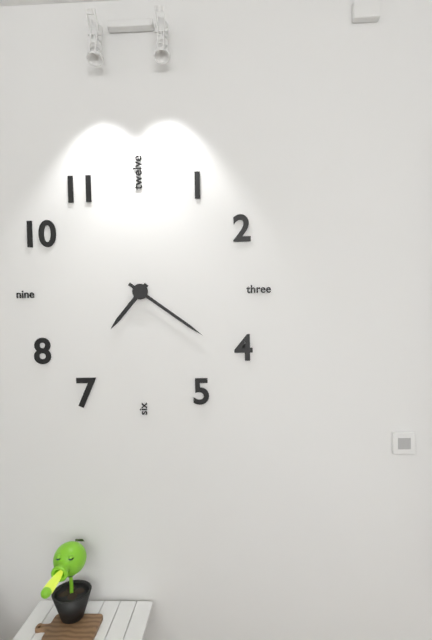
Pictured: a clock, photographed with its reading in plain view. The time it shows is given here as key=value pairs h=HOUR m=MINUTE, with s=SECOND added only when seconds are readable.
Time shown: h=7 m=21
